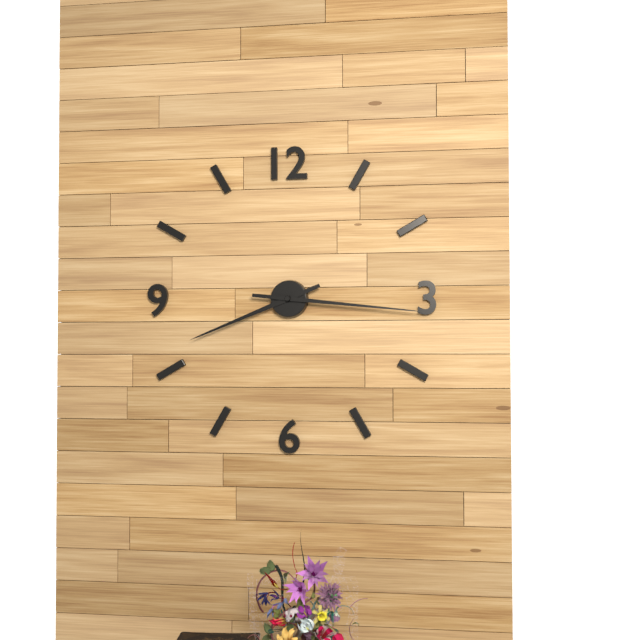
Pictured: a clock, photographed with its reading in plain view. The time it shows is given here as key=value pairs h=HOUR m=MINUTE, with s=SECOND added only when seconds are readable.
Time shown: h=8 m=16
